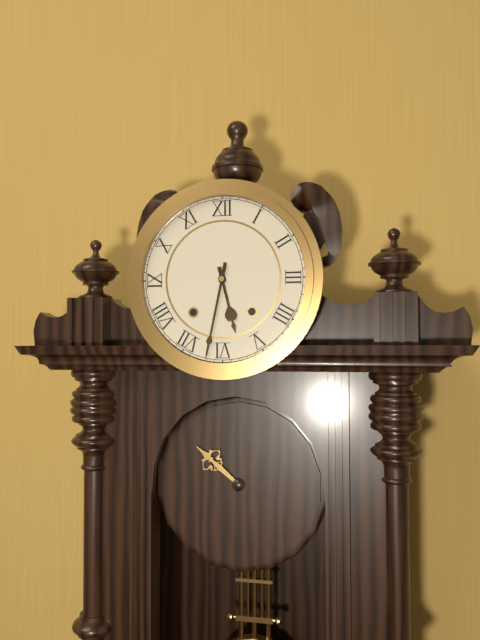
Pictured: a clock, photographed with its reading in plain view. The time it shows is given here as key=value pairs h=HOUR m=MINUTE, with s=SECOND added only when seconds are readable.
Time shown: h=5 m=32
